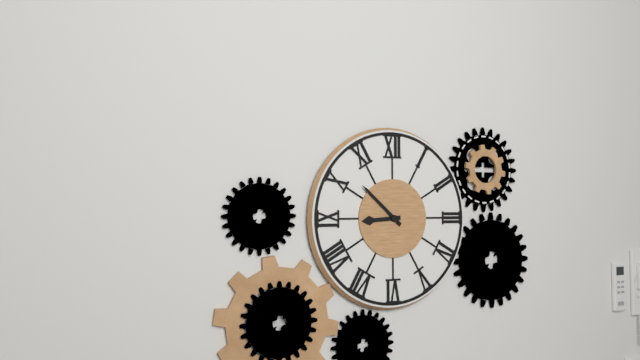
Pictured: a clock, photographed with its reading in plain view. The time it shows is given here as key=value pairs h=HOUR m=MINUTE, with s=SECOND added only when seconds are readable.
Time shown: h=8 m=52
